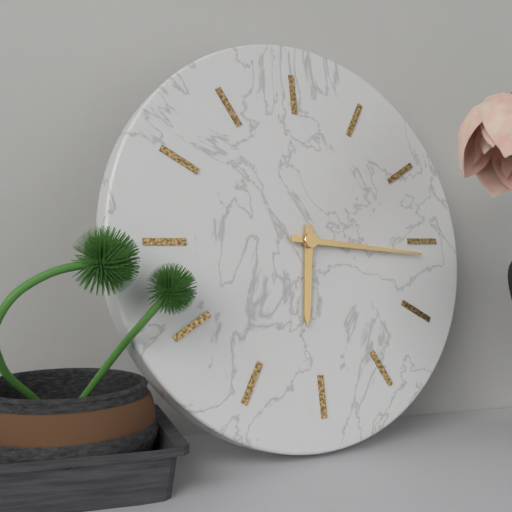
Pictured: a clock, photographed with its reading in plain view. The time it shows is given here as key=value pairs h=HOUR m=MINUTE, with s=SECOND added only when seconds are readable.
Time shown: h=6 m=16
